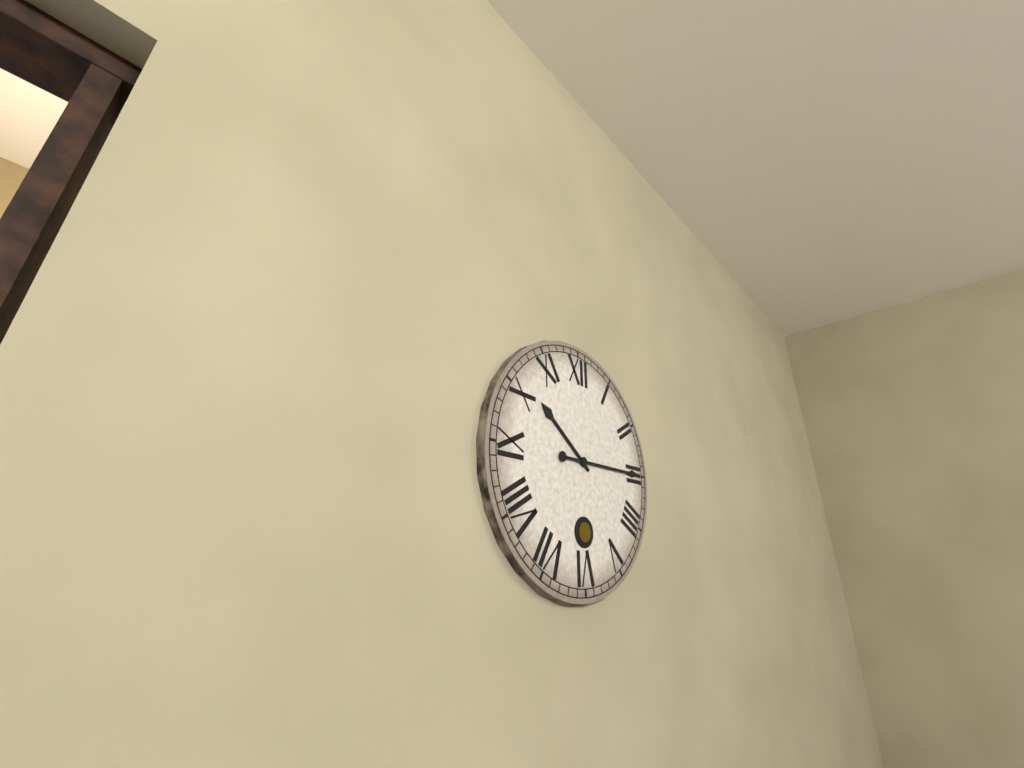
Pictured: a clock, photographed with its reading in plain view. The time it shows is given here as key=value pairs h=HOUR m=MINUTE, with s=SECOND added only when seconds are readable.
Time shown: h=10 m=15
